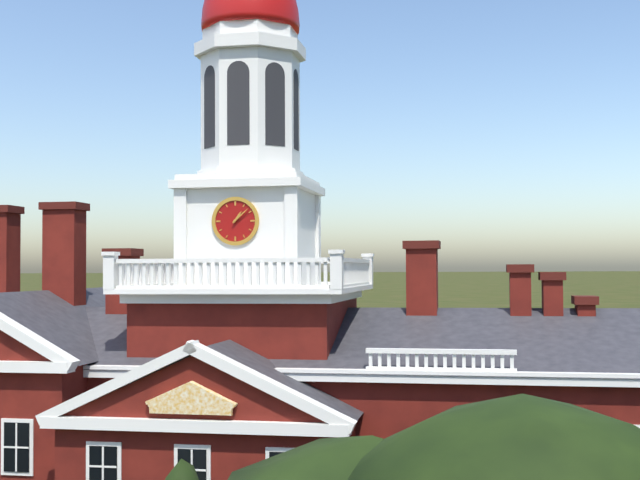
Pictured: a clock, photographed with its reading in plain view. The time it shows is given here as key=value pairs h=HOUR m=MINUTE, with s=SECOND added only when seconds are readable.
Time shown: h=1 m=8
